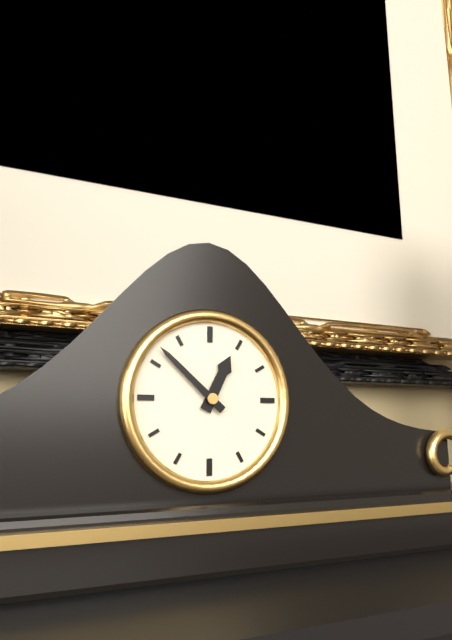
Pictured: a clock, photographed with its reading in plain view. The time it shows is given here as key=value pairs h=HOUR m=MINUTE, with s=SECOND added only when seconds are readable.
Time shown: h=12 m=52
